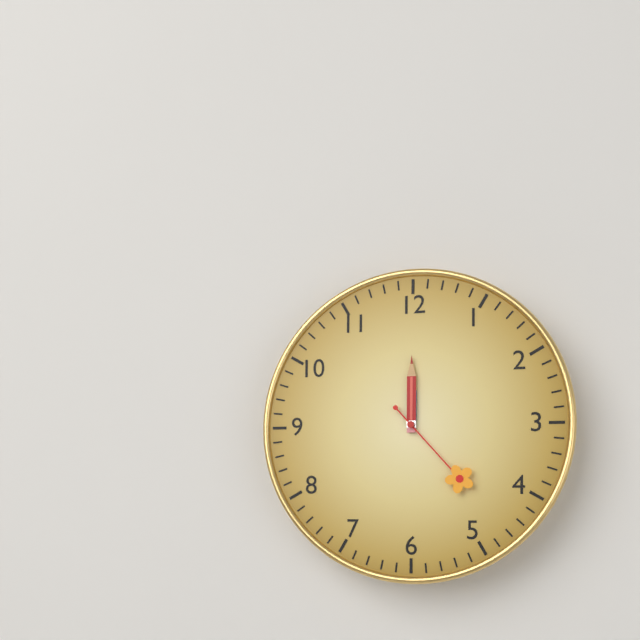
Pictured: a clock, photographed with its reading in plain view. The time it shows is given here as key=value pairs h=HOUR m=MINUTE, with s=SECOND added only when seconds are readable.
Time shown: h=12 m=0 s=23
